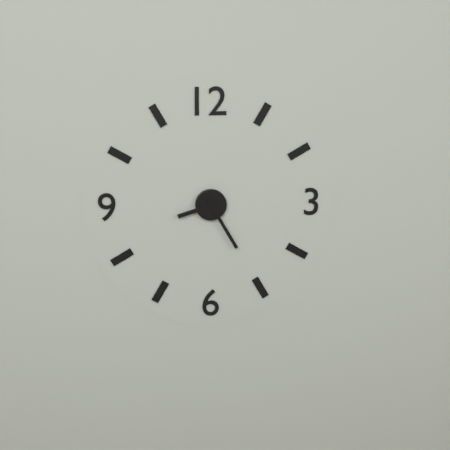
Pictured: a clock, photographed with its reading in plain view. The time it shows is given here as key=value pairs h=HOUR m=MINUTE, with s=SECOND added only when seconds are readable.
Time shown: h=8 m=25
